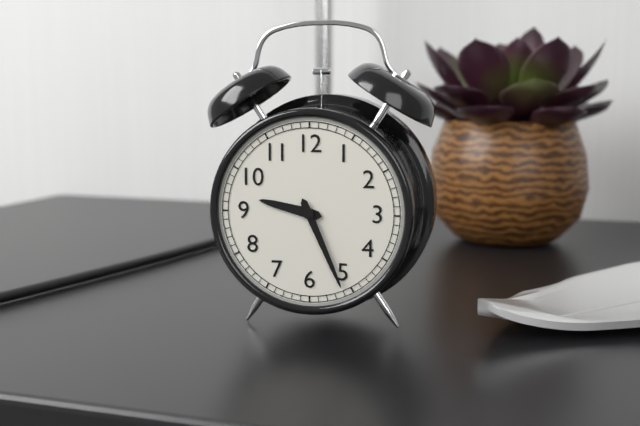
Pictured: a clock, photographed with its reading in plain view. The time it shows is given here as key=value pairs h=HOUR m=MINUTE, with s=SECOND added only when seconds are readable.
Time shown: h=9 m=26
